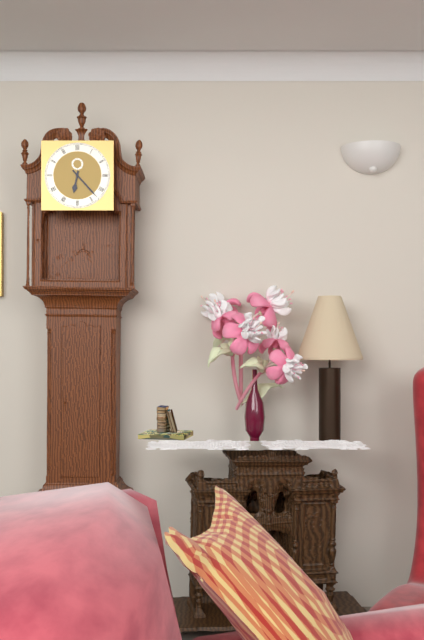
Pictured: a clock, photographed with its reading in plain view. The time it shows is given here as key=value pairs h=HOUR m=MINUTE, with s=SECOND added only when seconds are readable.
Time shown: h=6 m=23
